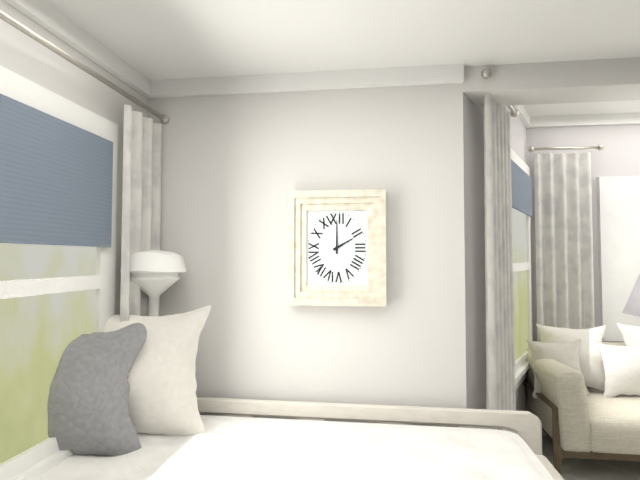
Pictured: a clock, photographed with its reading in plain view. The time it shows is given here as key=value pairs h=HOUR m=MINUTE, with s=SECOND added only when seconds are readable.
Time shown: h=2 m=0
